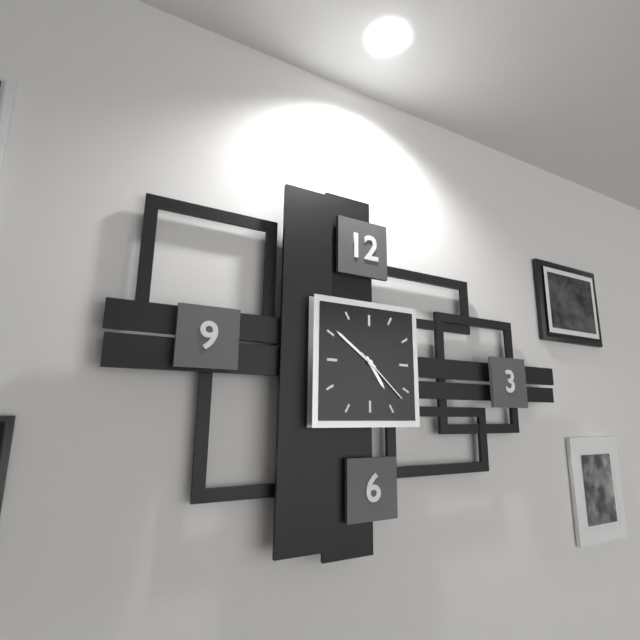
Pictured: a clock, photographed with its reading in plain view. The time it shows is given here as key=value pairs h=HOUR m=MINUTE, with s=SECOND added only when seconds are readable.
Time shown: h=4 m=51 s=22
